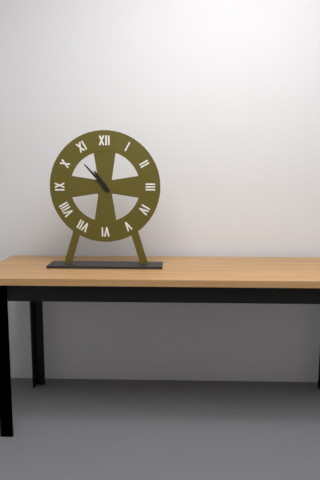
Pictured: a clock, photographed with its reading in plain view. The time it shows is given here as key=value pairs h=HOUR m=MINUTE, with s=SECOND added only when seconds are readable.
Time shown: h=10 m=53
